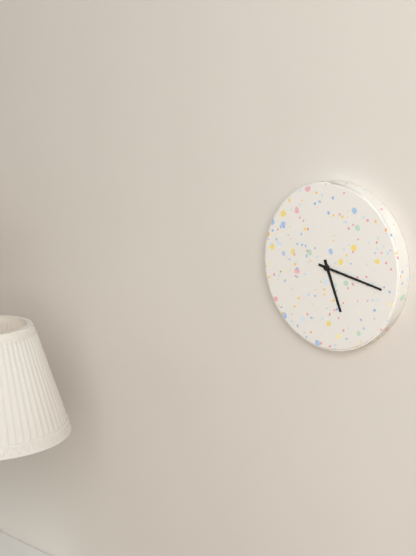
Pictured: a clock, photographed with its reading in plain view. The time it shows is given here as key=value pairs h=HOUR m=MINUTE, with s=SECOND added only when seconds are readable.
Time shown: h=5 m=17
